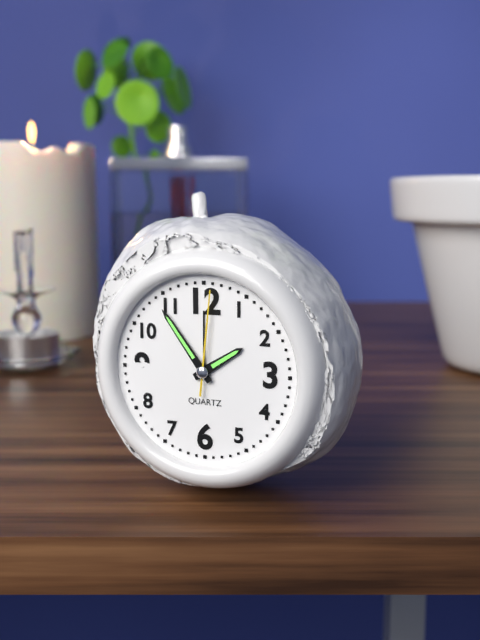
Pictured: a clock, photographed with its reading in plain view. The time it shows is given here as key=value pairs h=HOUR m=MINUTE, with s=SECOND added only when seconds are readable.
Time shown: h=1 m=54 s=1
